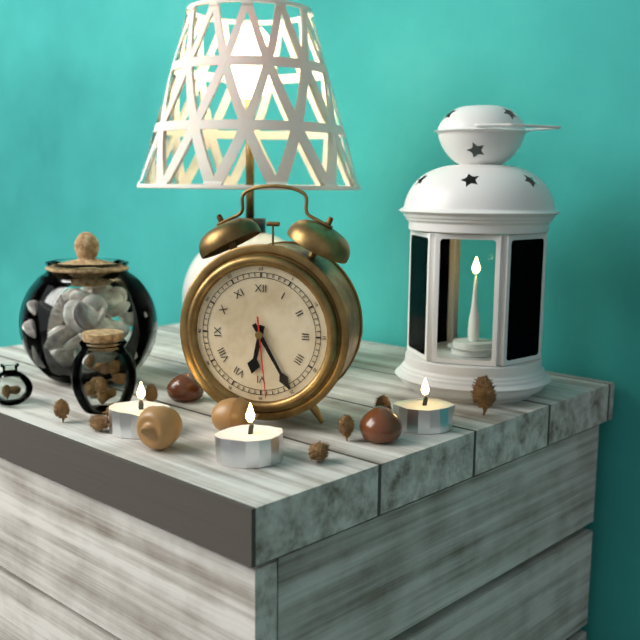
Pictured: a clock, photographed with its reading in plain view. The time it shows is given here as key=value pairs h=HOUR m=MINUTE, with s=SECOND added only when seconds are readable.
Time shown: h=6 m=25 s=29
